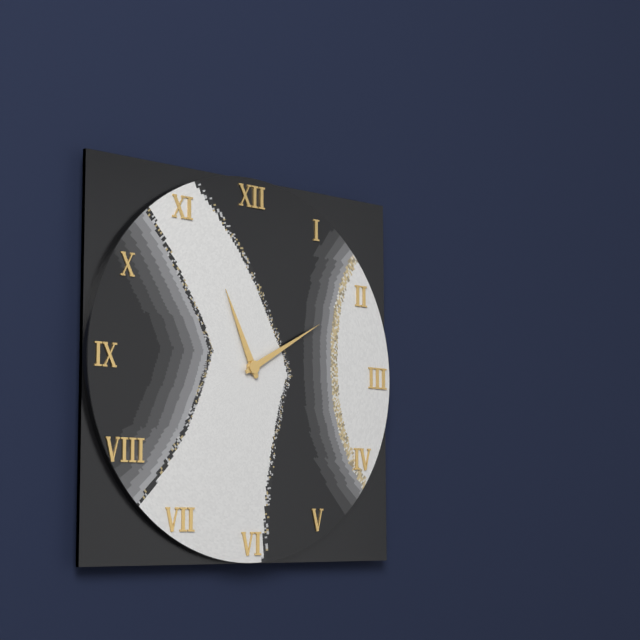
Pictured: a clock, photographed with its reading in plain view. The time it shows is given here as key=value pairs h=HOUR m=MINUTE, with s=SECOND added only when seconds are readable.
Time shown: h=11 m=10
